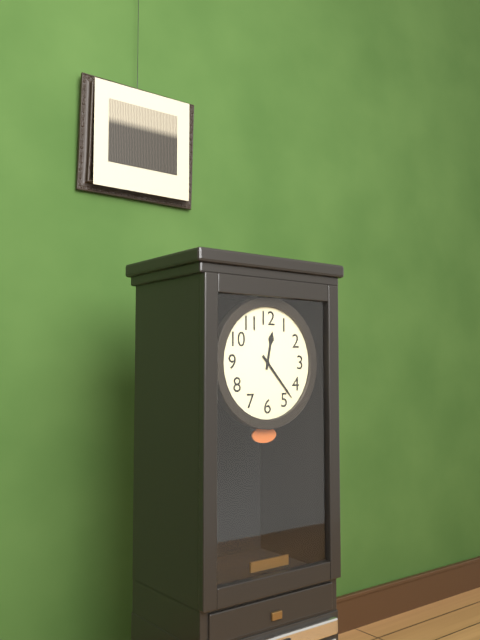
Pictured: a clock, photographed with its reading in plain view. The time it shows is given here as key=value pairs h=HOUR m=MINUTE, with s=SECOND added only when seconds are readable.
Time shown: h=12 m=23
